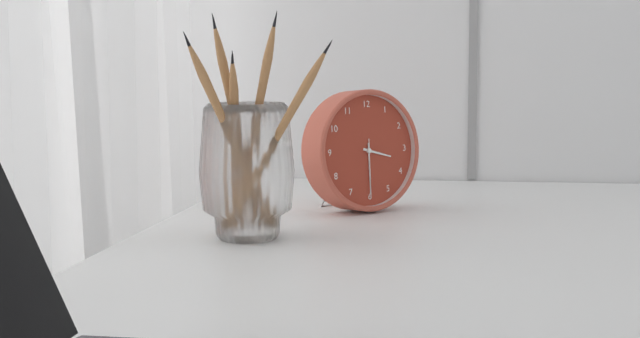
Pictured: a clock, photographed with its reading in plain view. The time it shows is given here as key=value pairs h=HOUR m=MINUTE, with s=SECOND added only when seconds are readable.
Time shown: h=3 m=30 s=30
